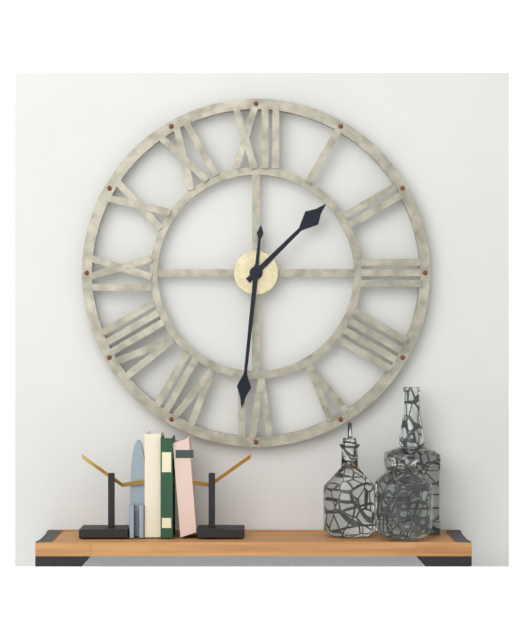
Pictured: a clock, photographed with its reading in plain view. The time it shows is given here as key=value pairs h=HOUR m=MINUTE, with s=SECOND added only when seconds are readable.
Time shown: h=1 m=31
